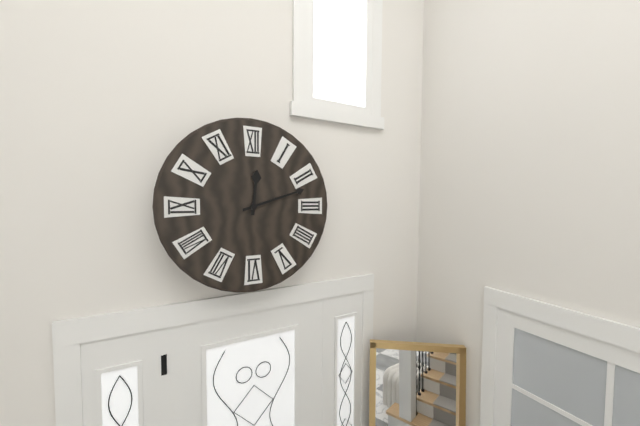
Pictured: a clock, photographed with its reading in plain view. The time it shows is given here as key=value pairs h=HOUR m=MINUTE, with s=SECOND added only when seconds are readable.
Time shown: h=12 m=12
